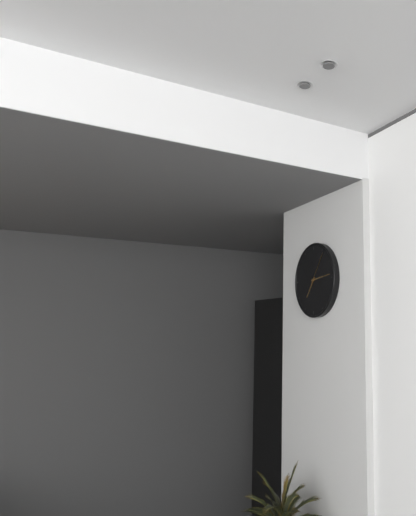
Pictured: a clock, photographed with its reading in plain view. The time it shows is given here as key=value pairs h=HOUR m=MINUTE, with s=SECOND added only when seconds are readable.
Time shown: h=7 m=14
